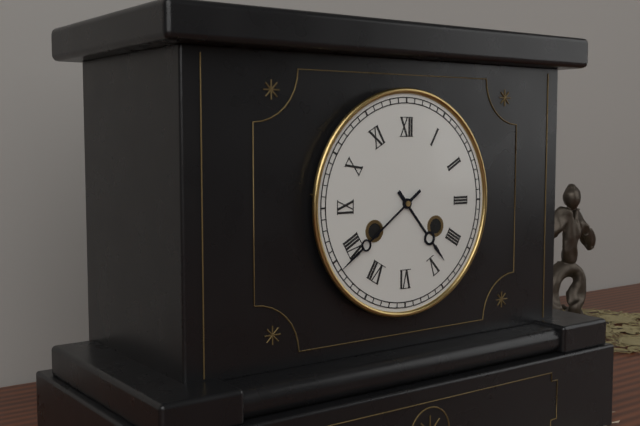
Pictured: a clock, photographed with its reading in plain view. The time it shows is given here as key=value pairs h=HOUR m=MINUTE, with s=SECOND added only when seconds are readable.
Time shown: h=4 m=39
